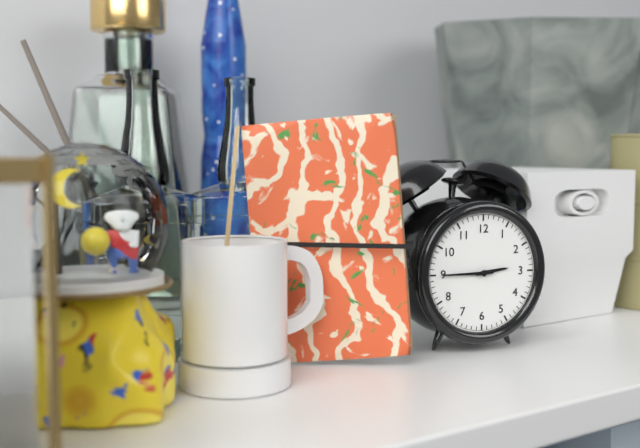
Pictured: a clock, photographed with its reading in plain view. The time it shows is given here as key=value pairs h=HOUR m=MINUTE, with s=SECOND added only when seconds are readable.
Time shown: h=2 m=45
